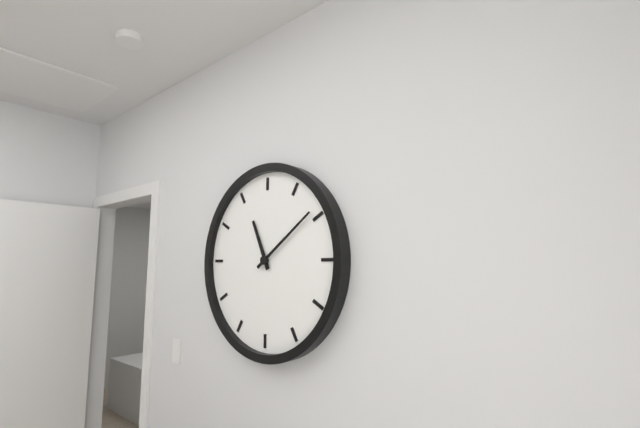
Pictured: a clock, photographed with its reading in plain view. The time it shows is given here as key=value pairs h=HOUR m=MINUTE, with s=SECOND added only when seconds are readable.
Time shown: h=11 m=9
